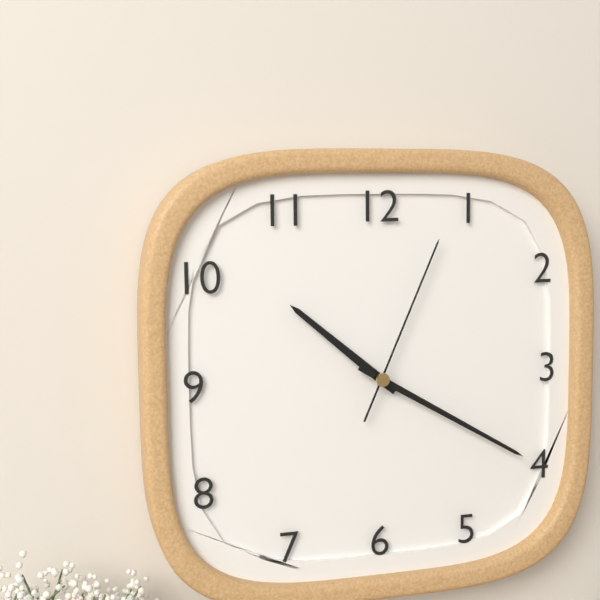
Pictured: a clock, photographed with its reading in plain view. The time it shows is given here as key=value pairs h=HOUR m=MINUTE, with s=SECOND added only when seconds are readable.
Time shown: h=10 m=20 s=4
